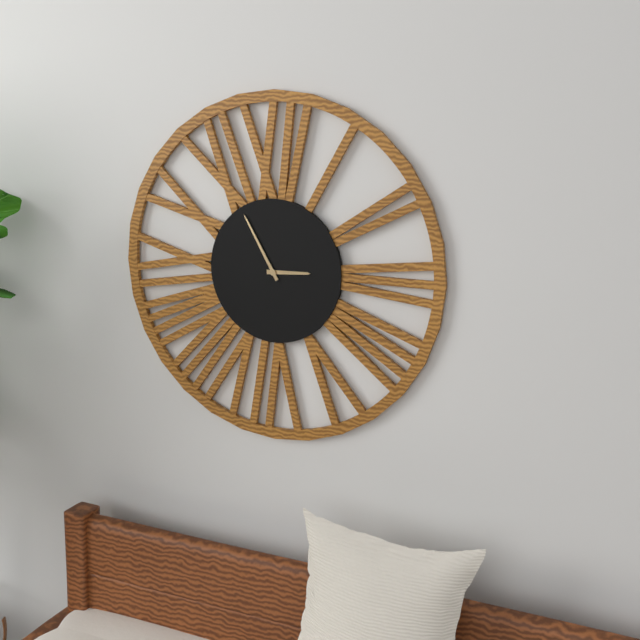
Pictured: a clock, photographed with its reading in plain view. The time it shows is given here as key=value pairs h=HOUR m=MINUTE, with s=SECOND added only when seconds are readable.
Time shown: h=2 m=55
